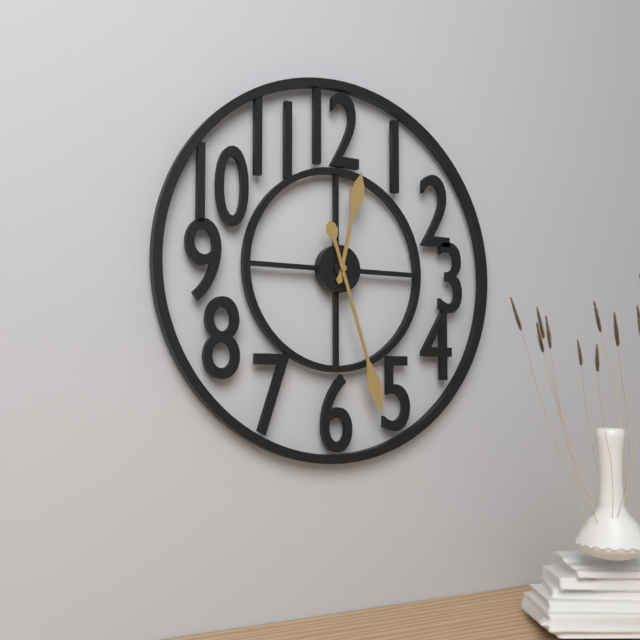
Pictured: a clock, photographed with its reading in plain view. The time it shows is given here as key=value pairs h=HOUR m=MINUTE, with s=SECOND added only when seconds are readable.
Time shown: h=12 m=27
